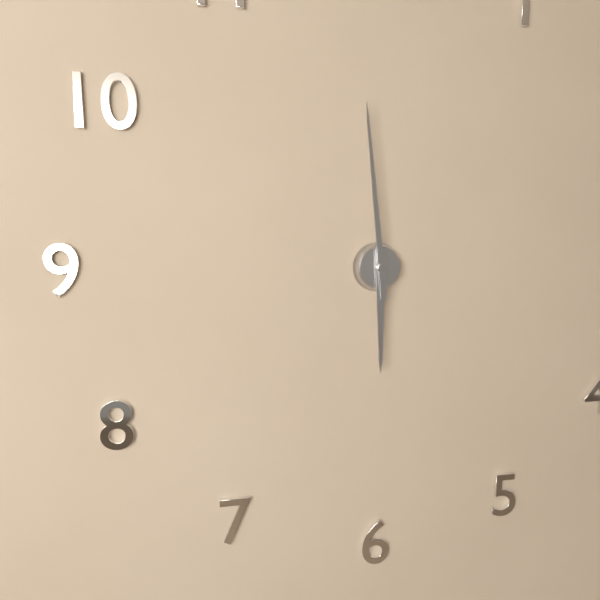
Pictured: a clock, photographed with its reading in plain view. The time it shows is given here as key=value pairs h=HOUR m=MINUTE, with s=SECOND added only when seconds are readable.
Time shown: h=5 m=59
